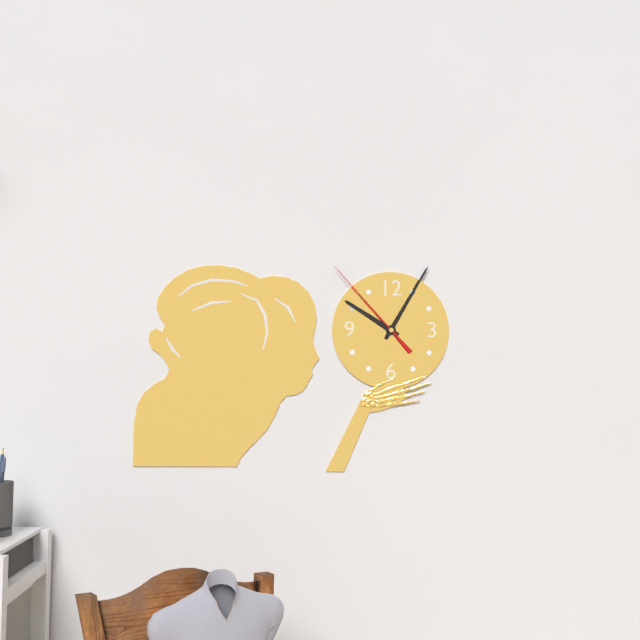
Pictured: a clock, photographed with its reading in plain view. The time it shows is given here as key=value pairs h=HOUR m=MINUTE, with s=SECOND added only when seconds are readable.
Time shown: h=10 m=5 s=53
